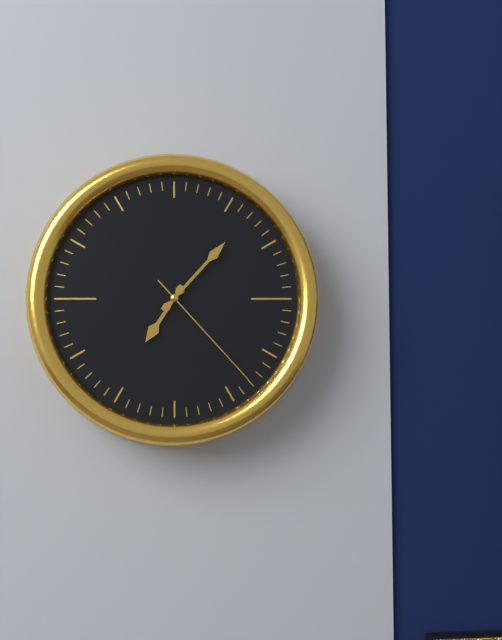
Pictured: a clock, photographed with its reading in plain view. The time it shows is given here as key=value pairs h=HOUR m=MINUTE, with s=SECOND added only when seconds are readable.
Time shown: h=7 m=7 s=23
